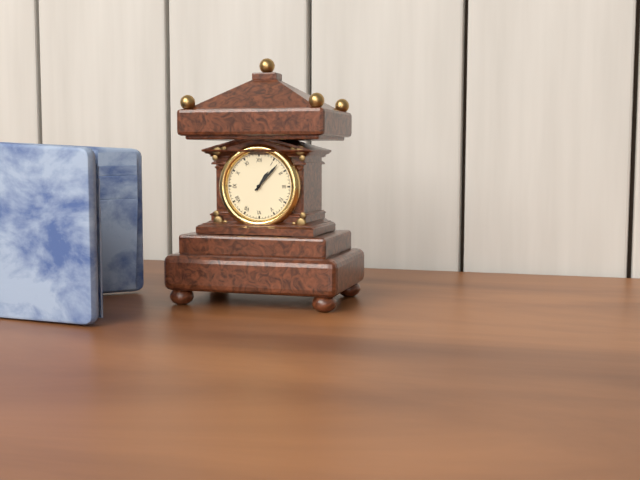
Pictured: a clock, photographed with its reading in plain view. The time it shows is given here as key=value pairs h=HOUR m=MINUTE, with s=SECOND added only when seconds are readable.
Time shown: h=1 m=7
